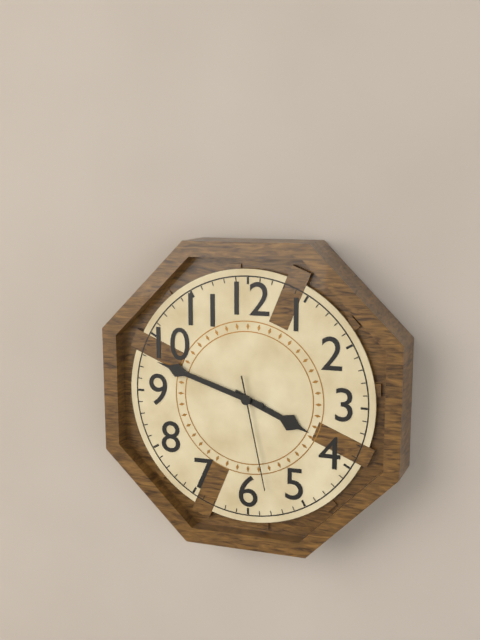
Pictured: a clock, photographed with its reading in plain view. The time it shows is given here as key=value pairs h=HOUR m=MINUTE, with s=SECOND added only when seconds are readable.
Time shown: h=3 m=48 s=28
